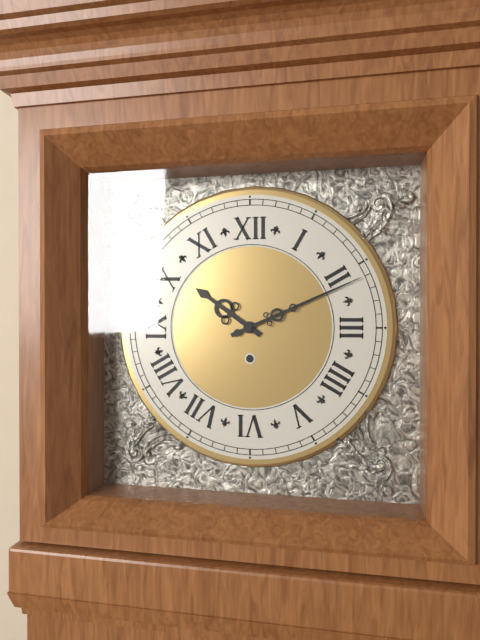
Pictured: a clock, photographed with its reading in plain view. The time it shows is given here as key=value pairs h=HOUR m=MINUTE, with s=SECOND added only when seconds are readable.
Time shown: h=10 m=11
